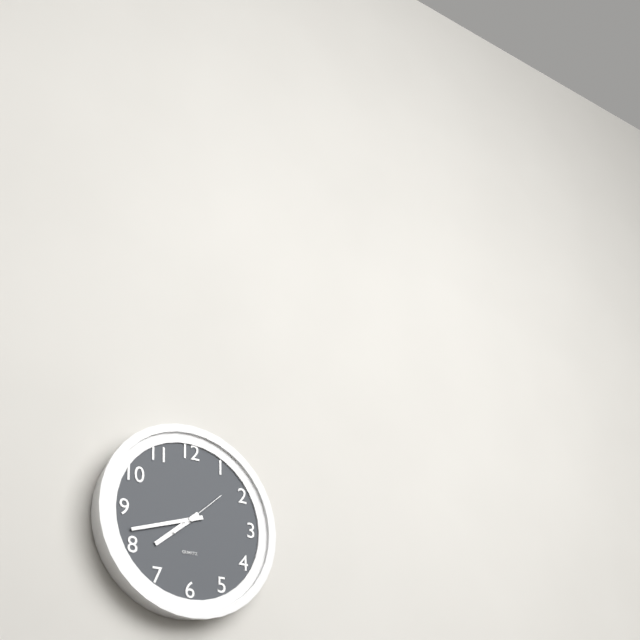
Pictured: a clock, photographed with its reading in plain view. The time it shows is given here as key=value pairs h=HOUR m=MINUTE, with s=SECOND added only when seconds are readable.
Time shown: h=7 m=42
